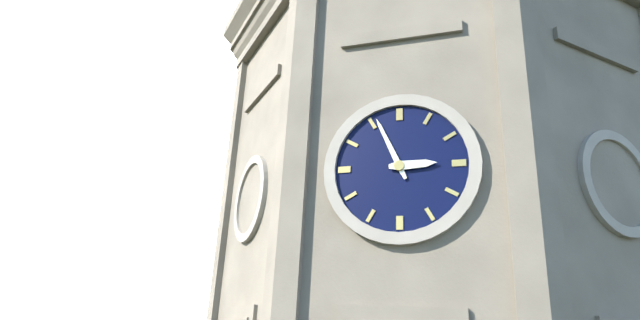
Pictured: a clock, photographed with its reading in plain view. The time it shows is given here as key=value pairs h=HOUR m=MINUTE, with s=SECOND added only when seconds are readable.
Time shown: h=2 m=56
